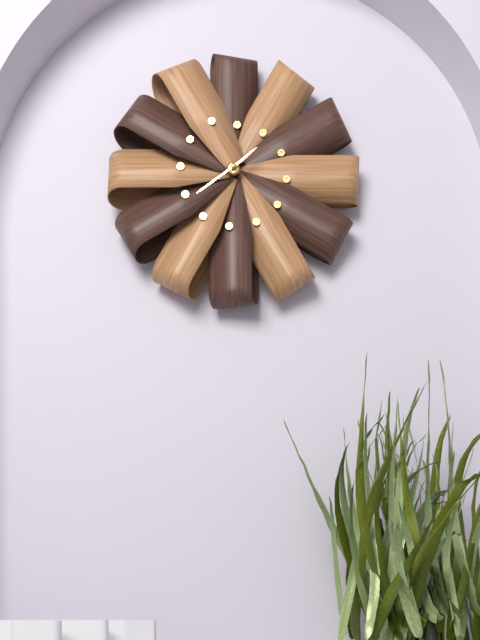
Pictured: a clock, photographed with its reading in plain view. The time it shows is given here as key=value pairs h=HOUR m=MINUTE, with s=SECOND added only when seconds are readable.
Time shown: h=1 m=39
